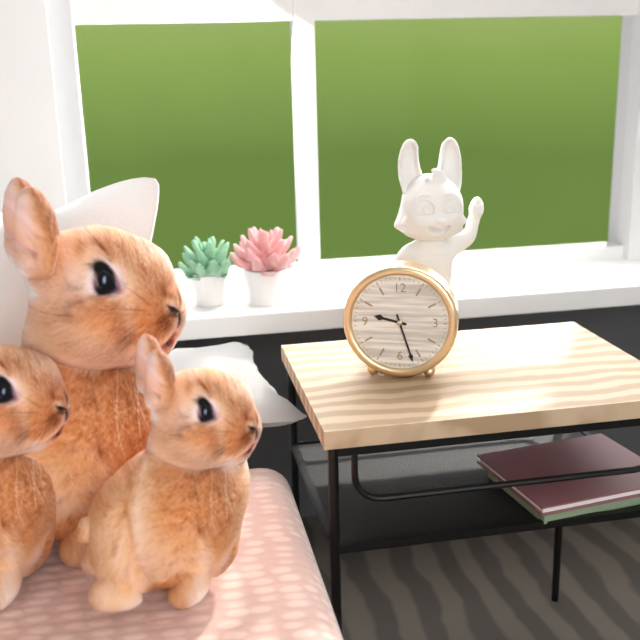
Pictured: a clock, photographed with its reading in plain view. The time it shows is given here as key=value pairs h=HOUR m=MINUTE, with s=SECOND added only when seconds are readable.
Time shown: h=9 m=27
